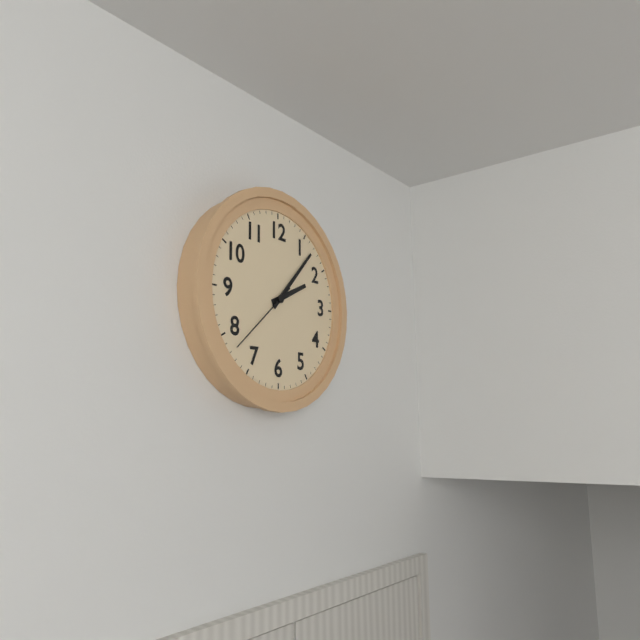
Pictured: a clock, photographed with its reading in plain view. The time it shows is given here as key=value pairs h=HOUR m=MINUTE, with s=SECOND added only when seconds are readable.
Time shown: h=2 m=7 s=38
